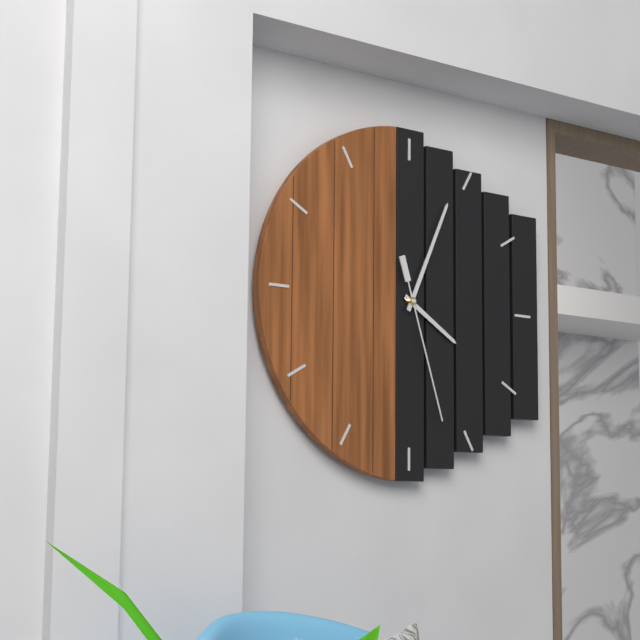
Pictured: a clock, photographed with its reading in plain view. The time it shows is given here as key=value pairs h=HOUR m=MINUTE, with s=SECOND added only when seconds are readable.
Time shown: h=4 m=4 s=27
